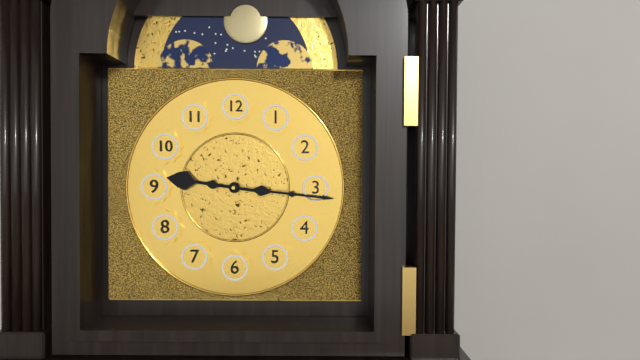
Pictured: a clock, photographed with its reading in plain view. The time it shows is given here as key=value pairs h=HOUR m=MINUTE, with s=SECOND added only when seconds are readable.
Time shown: h=9 m=16
